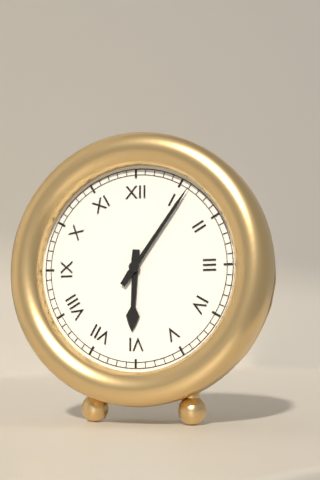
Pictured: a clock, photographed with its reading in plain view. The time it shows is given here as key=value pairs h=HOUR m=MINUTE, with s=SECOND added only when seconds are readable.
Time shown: h=6 m=6
